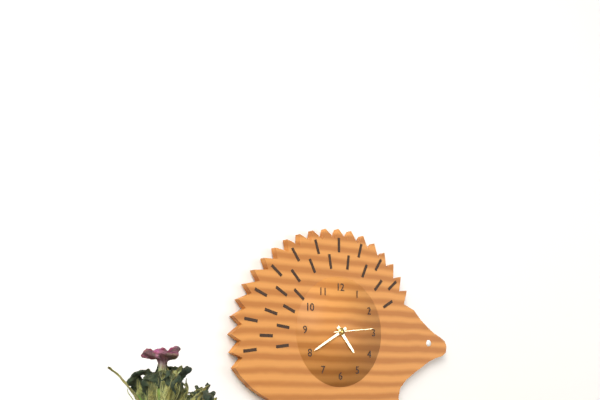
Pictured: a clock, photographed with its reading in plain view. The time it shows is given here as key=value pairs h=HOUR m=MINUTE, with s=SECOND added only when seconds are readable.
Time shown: h=4 m=40
